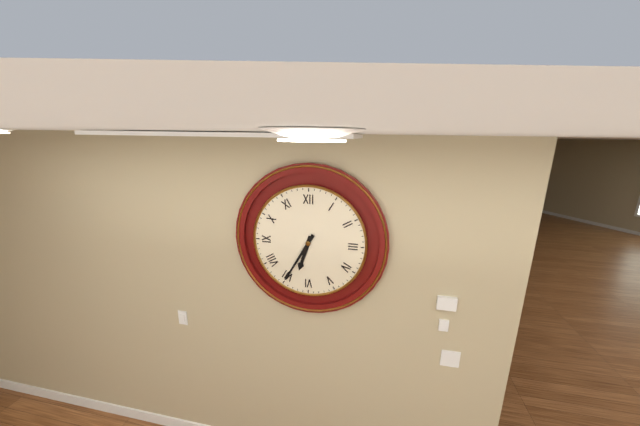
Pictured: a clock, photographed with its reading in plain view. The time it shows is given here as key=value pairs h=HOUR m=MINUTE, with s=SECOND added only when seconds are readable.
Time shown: h=6 m=35
